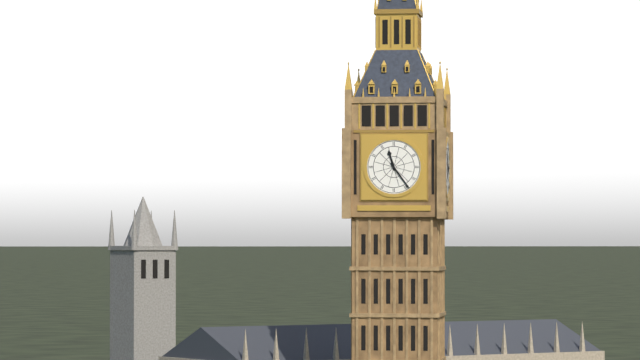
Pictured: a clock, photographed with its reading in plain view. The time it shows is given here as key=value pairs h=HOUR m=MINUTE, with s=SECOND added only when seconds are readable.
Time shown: h=11 m=24
